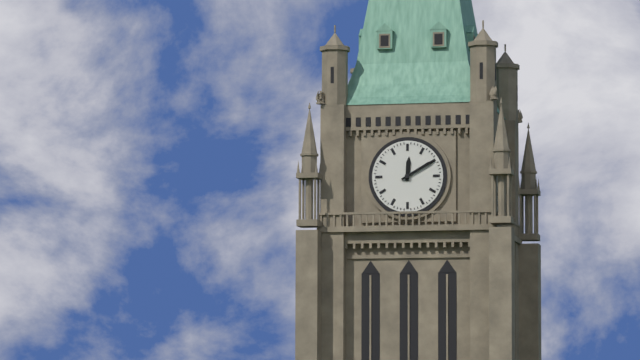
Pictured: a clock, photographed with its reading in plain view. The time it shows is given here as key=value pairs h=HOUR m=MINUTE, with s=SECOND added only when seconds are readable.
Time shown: h=12 m=10
